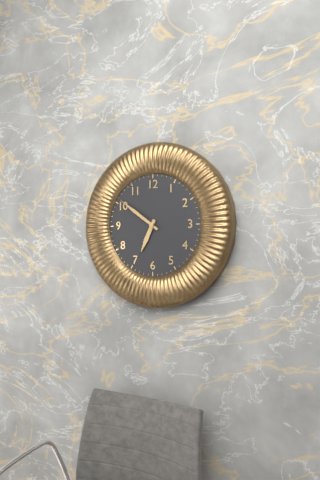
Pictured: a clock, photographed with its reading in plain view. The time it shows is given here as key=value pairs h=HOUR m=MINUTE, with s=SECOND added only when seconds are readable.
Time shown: h=6 m=51
